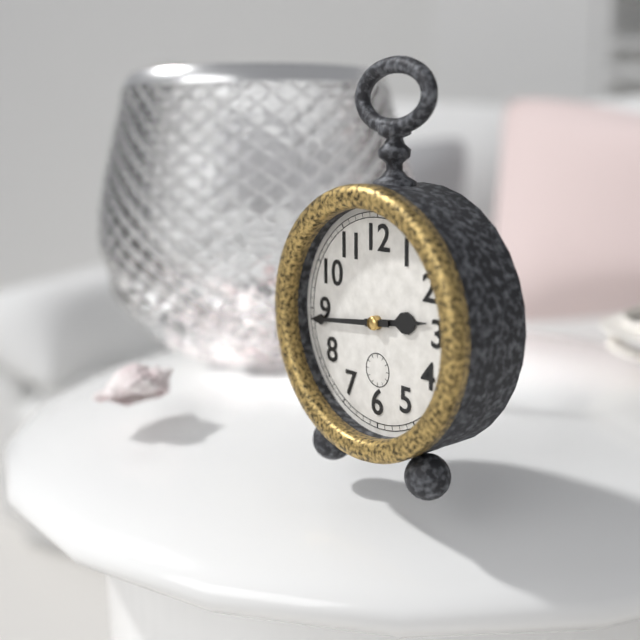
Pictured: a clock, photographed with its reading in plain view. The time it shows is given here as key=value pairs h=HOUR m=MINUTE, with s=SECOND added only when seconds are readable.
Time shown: h=2 m=44
